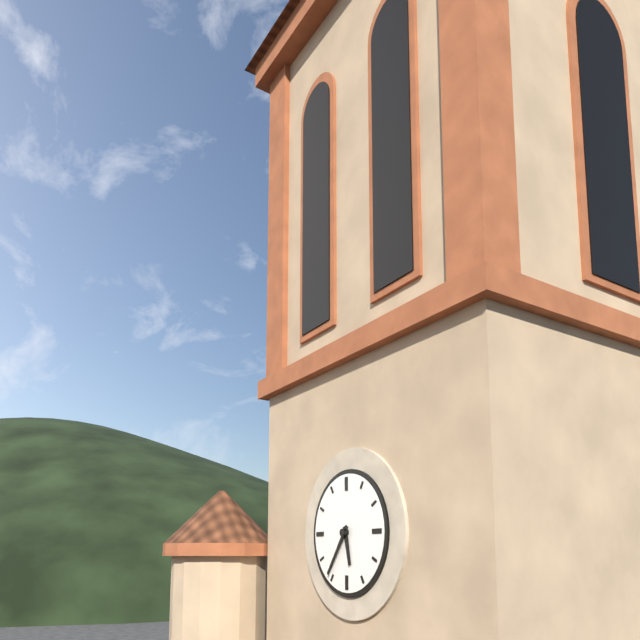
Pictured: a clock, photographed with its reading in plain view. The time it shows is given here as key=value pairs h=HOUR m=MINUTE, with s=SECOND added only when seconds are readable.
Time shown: h=5 m=36
